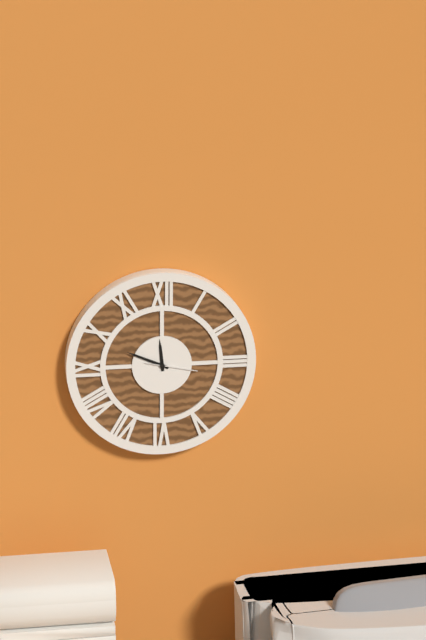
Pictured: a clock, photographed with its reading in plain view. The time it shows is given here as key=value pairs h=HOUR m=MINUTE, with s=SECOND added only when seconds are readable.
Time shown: h=11 m=49 s=17
